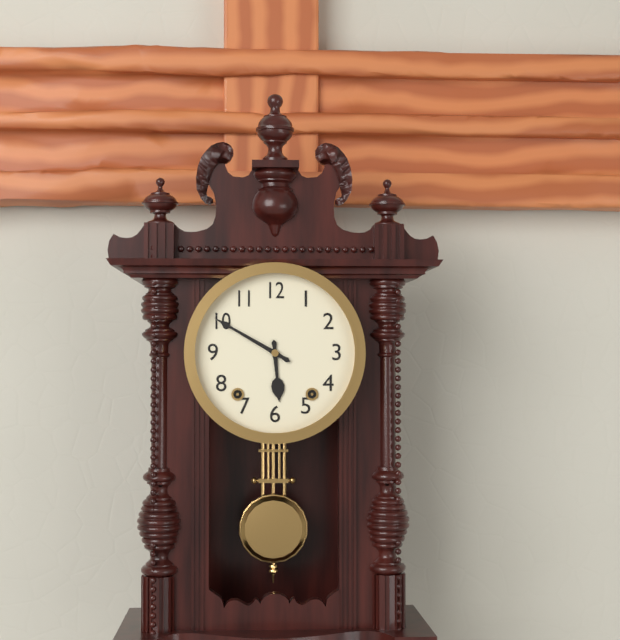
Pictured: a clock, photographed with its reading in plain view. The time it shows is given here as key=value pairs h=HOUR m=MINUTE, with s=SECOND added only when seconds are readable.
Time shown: h=5 m=50
